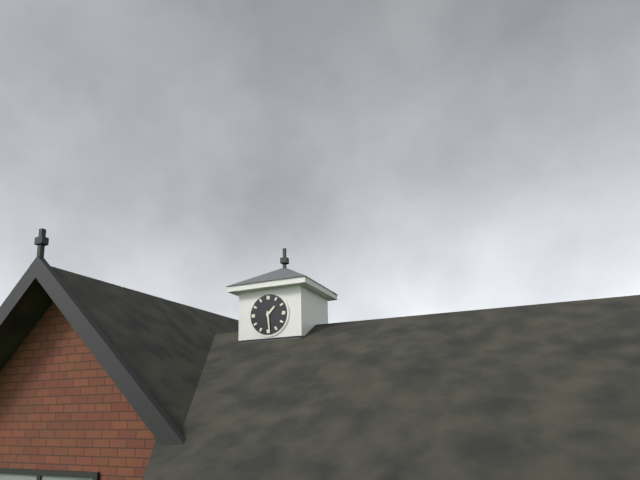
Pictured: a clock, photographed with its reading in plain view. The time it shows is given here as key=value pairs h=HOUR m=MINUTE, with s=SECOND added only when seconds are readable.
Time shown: h=1 m=29
